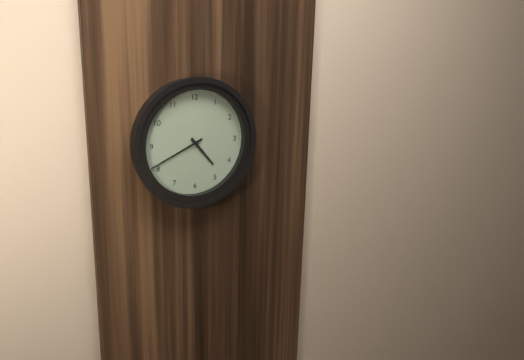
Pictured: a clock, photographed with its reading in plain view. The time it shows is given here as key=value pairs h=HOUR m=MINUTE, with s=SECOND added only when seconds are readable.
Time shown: h=4 m=41
